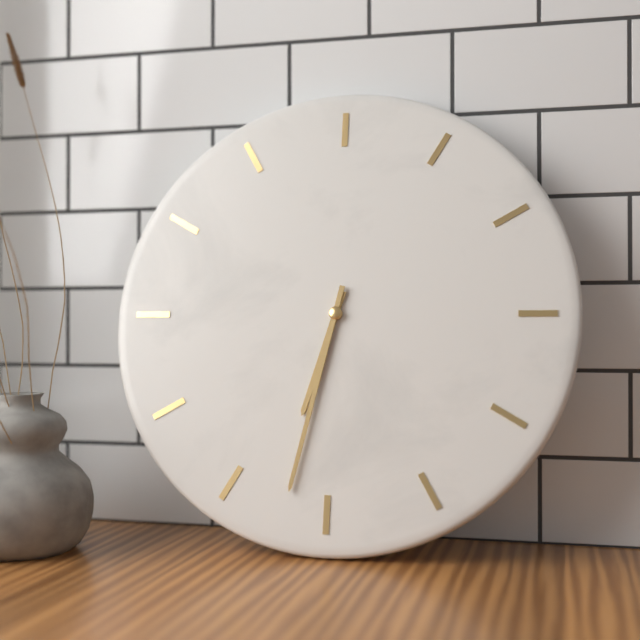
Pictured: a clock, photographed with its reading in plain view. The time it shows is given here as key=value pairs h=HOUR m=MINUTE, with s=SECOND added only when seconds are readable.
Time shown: h=6 m=32
